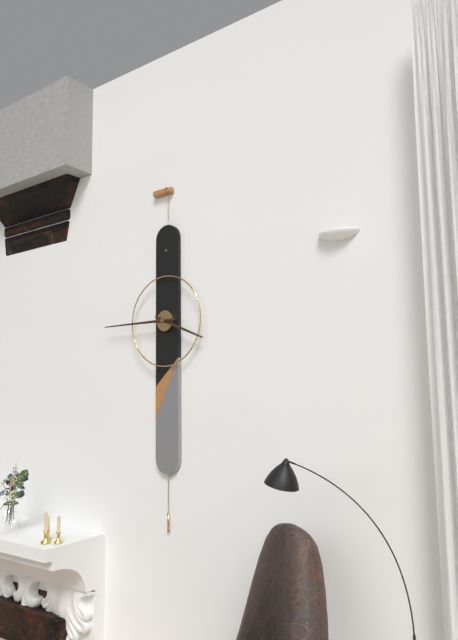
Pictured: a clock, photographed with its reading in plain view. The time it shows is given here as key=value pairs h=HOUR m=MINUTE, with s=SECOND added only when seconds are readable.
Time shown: h=3 m=45
